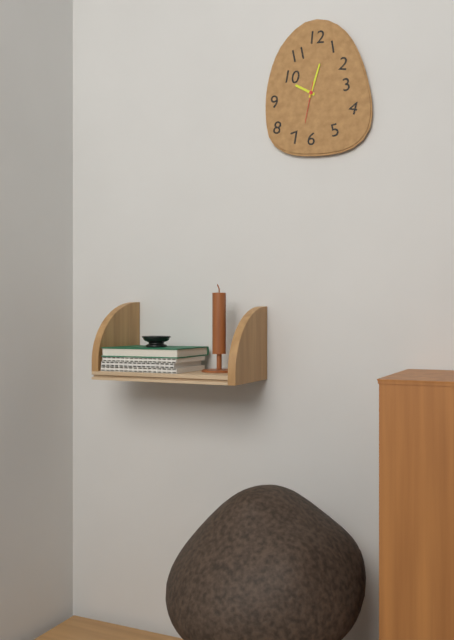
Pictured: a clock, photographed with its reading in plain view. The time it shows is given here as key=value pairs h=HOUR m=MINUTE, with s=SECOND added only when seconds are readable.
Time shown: h=10 m=3
